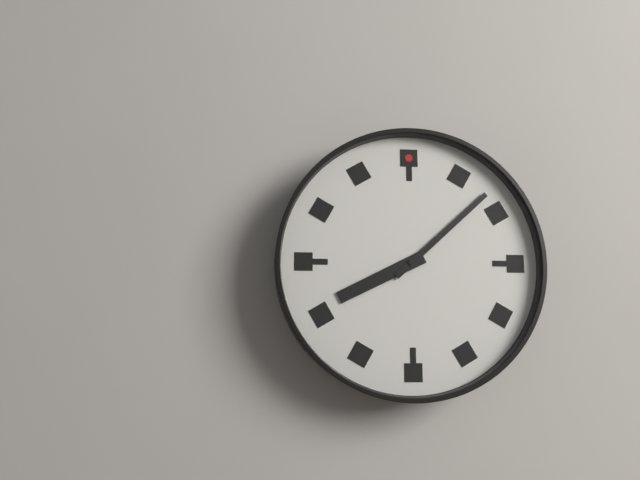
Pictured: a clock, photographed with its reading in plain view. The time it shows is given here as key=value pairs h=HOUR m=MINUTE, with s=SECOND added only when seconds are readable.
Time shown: h=8 m=8
